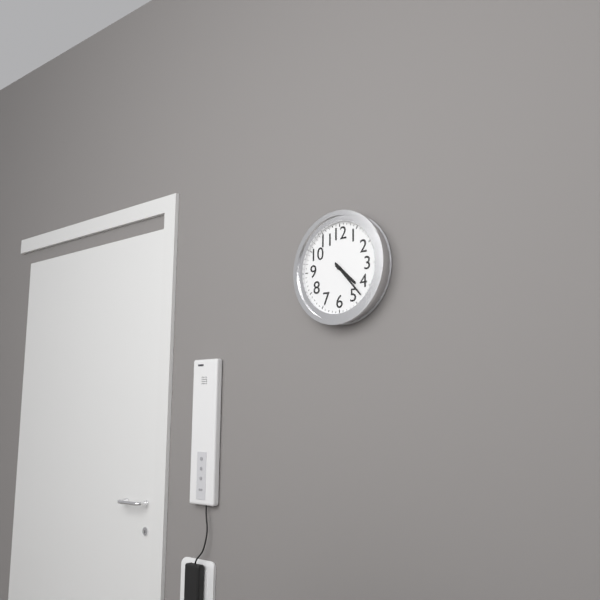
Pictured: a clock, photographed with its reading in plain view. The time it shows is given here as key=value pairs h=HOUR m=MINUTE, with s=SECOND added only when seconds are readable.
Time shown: h=4 m=23
